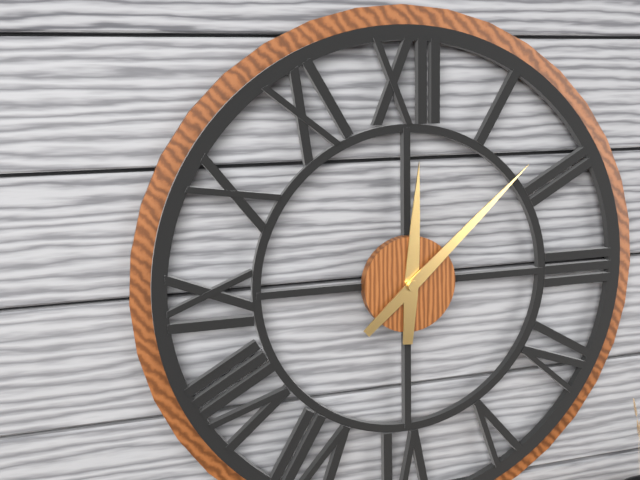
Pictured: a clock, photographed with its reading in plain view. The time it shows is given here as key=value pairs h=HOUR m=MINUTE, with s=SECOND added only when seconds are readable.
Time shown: h=12 m=8
